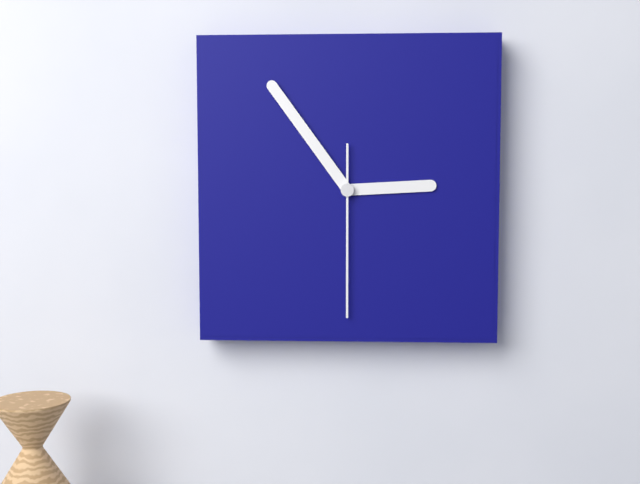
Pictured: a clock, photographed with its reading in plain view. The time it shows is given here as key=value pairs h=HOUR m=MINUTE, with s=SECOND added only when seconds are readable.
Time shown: h=2 m=54 s=30
